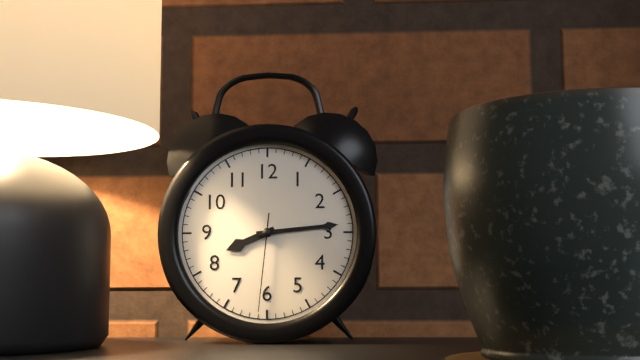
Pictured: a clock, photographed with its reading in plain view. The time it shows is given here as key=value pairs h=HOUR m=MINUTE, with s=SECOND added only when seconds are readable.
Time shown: h=8 m=14 s=31
